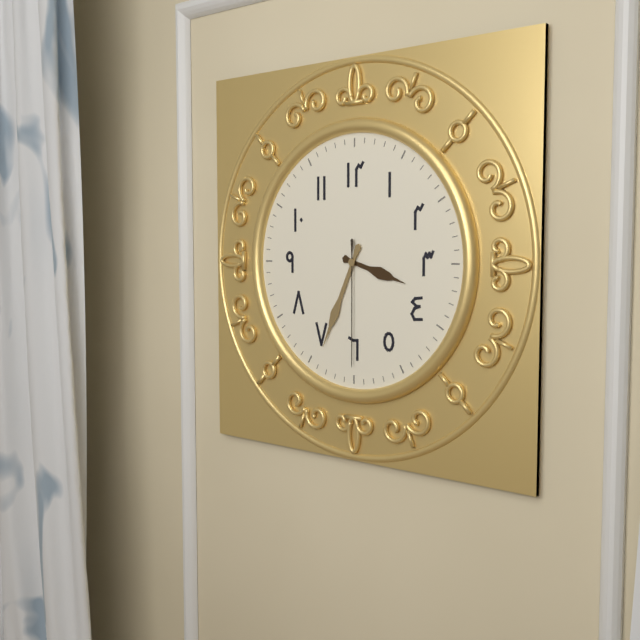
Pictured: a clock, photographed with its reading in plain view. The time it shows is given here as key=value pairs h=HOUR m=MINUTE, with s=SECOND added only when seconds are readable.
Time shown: h=3 m=34 s=30
